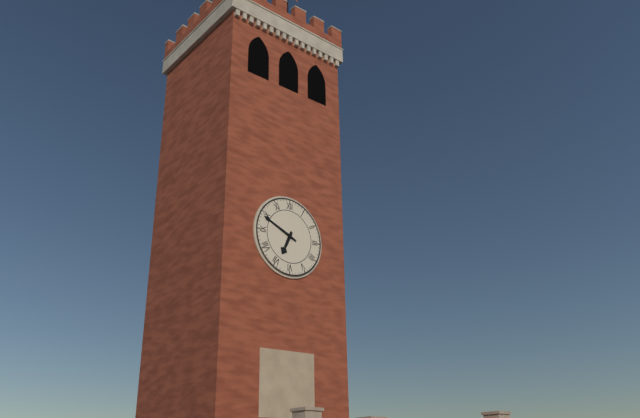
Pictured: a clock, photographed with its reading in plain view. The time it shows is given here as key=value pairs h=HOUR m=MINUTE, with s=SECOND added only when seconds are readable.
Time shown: h=6 m=49
